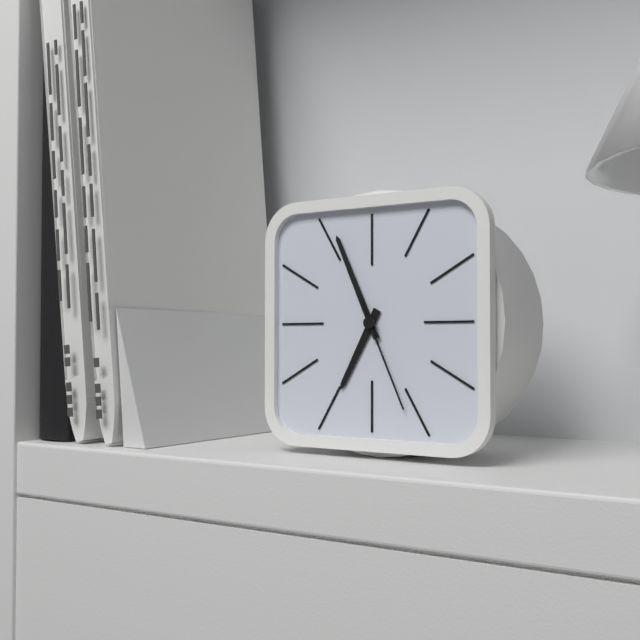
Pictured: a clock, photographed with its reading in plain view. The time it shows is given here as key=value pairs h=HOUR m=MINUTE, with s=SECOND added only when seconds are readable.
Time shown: h=6 m=56 s=26
